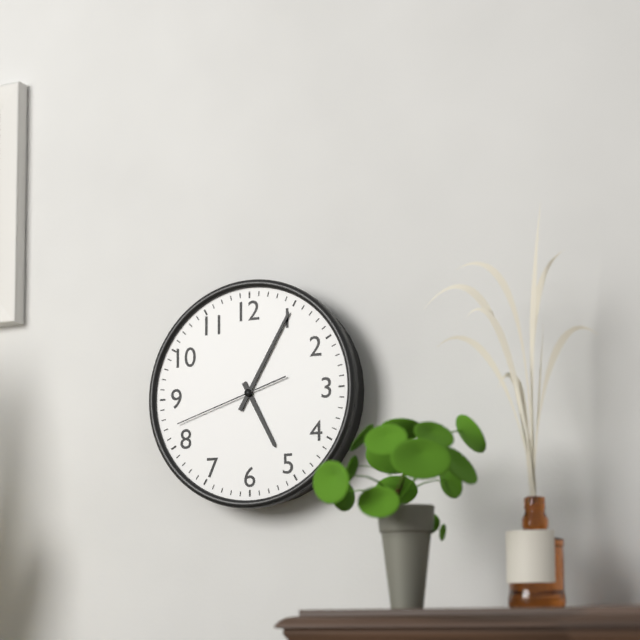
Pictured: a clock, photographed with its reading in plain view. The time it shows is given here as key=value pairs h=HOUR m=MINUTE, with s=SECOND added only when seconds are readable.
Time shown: h=5 m=5 s=42
